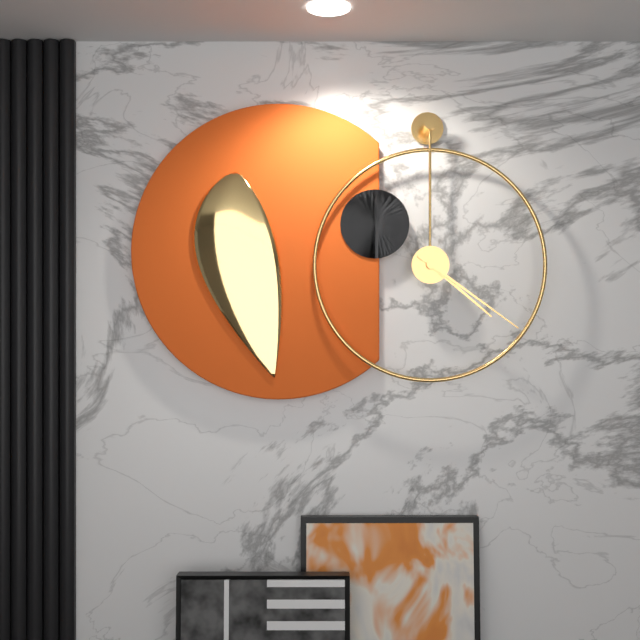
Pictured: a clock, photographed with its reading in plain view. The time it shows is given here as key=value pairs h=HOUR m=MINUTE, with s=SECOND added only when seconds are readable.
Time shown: h=4 m=21
